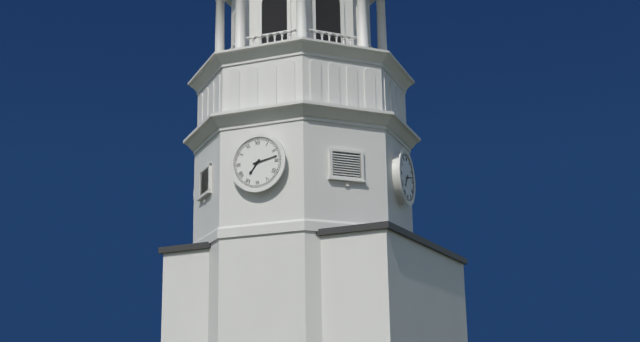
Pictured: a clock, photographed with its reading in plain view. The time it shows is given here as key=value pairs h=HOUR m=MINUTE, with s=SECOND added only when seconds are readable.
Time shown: h=7 m=13
